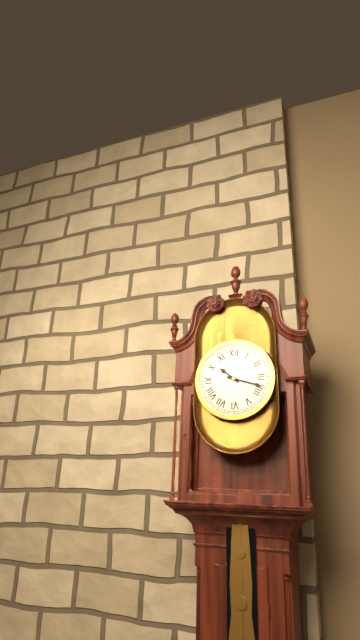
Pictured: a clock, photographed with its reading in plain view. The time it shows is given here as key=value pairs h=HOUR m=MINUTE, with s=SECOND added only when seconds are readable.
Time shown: h=10 m=18
